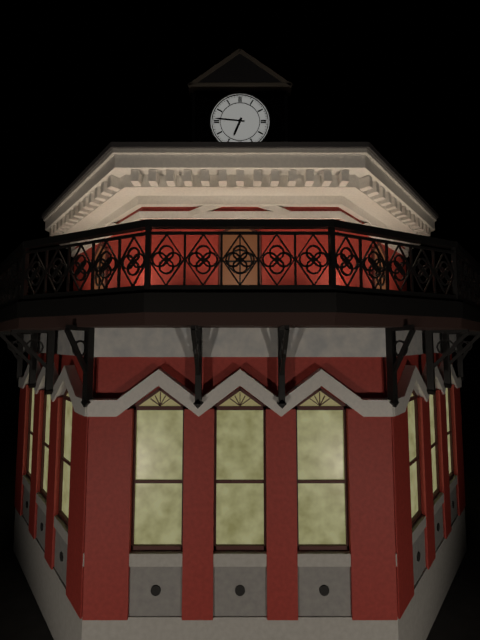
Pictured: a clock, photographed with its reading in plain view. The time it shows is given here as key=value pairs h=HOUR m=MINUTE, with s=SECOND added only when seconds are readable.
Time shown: h=6 m=46
